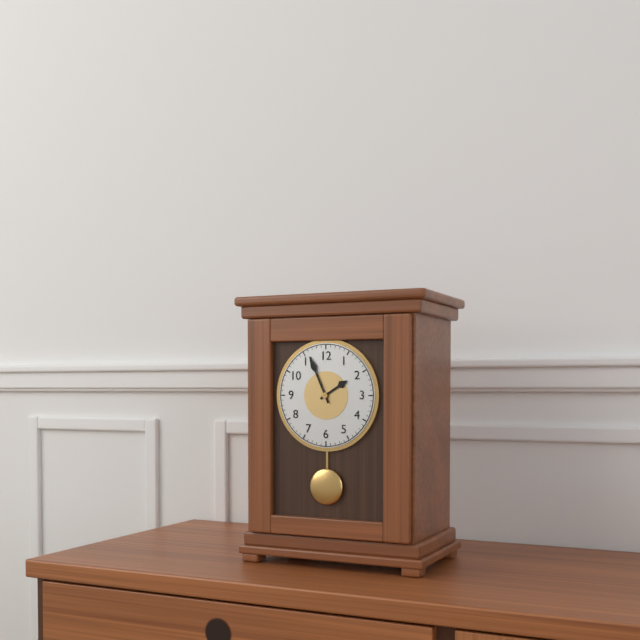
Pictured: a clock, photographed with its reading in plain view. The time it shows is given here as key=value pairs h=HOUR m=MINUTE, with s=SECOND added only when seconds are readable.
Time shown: h=1 m=56
